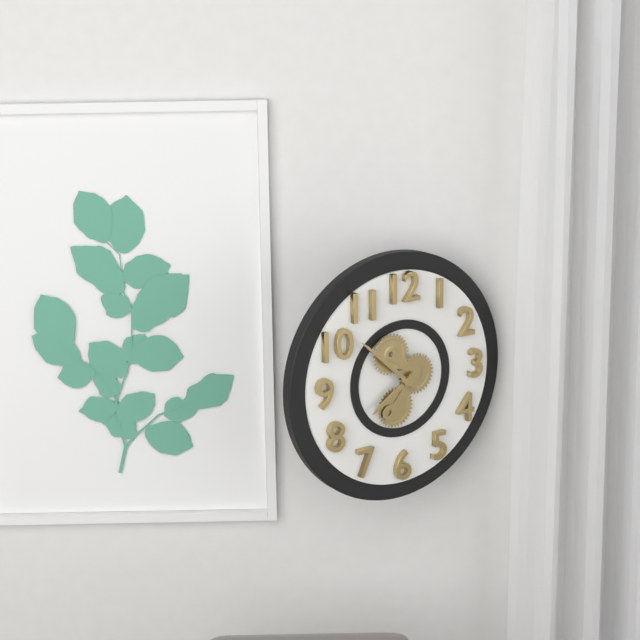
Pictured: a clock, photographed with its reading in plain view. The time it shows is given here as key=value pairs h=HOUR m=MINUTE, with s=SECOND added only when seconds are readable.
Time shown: h=7 m=52
